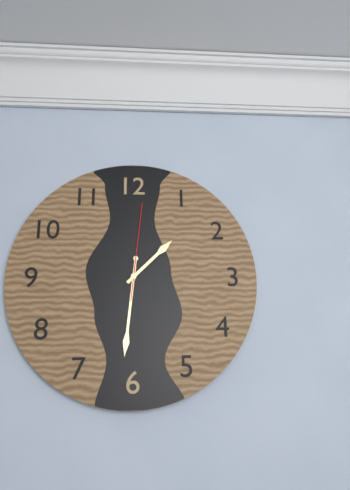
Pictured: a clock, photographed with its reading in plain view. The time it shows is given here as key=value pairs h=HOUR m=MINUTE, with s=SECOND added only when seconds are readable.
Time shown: h=1 m=31 s=1
